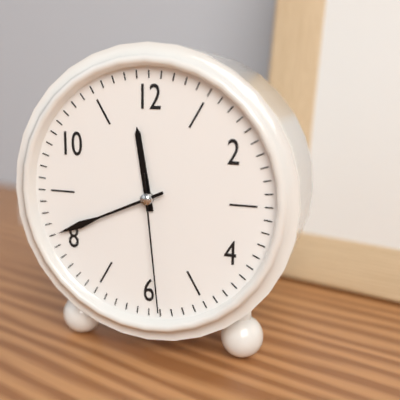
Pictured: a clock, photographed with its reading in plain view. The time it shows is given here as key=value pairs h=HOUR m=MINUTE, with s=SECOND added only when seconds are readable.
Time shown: h=11 m=41 s=29
